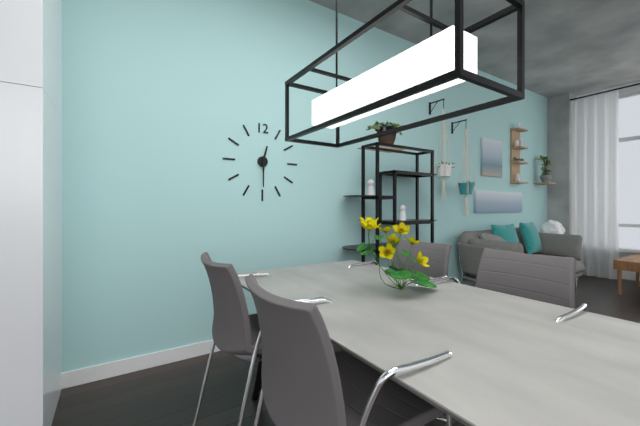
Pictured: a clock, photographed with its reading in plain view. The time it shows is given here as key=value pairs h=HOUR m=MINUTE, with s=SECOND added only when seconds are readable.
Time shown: h=12 m=30
